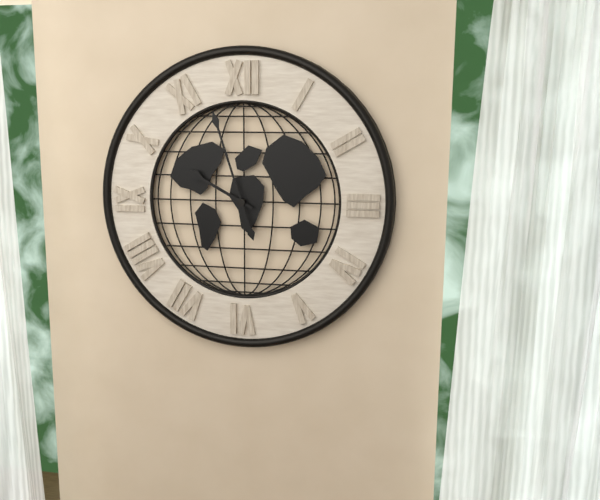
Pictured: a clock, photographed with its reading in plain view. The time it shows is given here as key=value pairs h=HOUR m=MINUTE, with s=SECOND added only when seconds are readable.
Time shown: h=9 m=57
